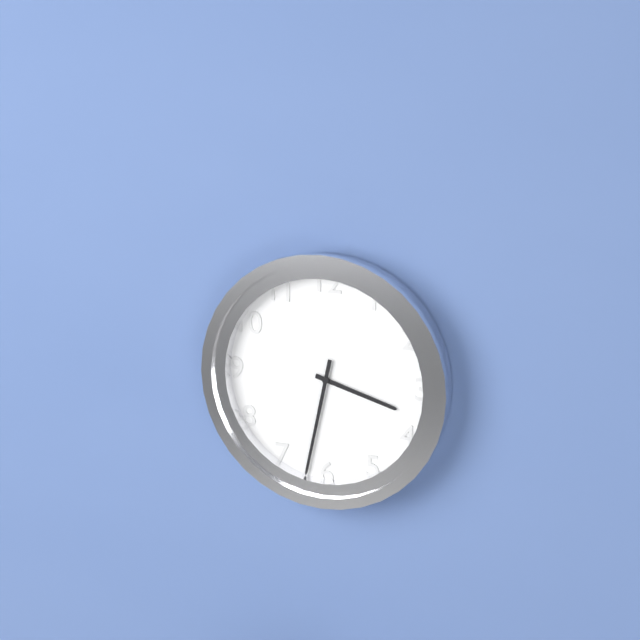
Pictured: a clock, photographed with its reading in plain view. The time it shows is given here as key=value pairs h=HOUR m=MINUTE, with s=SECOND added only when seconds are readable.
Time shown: h=3 m=32
